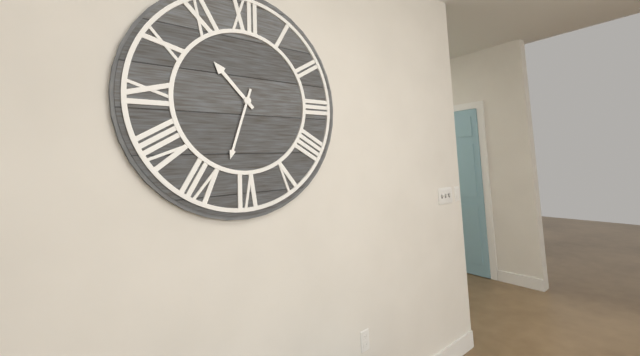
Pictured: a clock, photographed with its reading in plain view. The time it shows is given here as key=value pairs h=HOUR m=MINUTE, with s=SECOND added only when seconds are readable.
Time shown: h=10 m=33
